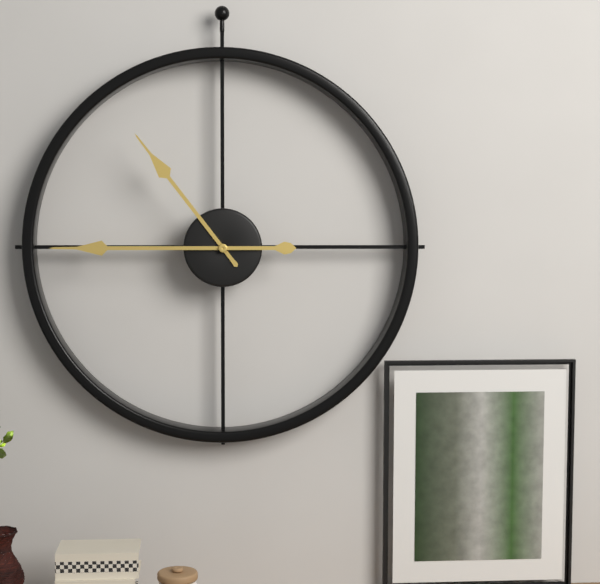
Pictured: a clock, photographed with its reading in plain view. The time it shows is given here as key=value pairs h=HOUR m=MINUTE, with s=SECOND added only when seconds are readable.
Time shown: h=10 m=45
